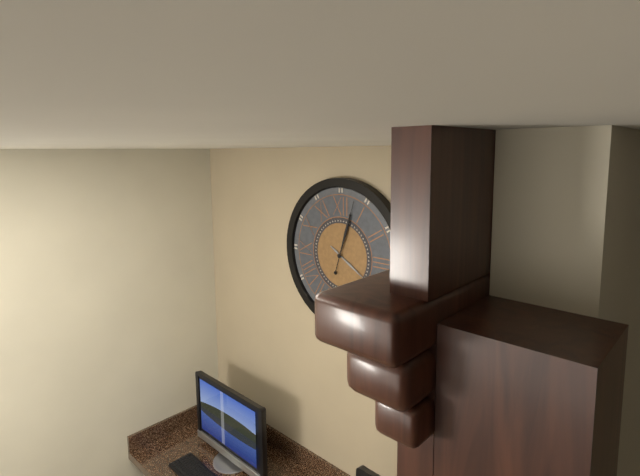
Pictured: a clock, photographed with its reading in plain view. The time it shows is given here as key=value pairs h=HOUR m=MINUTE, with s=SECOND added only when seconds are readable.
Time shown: h=4 m=3
